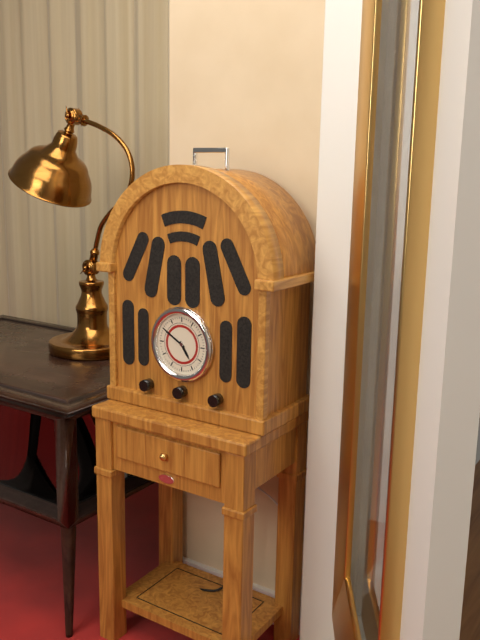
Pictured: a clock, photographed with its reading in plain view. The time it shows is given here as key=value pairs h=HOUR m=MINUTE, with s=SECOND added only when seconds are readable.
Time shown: h=4 m=50
